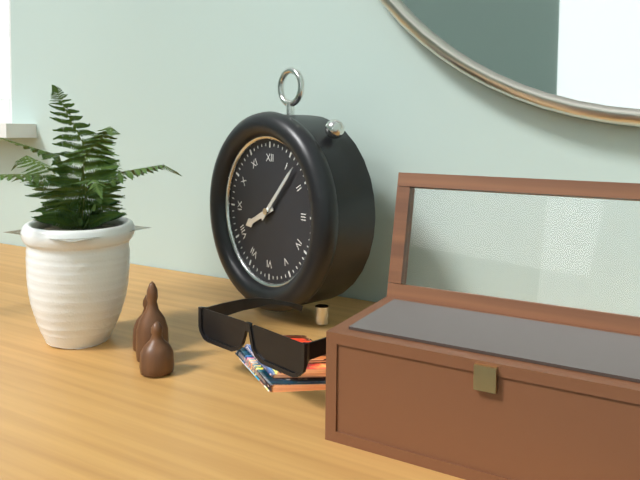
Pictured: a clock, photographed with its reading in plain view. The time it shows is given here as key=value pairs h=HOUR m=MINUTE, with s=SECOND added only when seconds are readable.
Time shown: h=8 m=7
